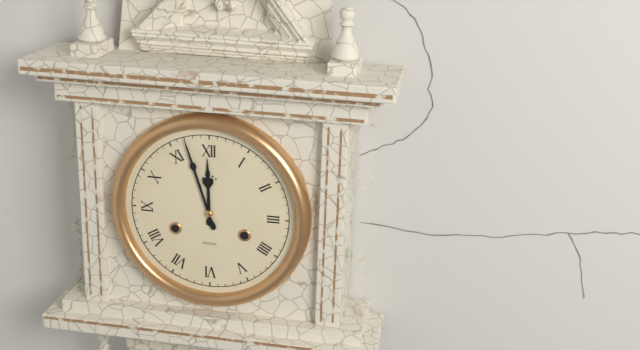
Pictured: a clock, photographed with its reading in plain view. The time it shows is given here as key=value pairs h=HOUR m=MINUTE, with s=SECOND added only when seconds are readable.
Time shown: h=11 m=57
